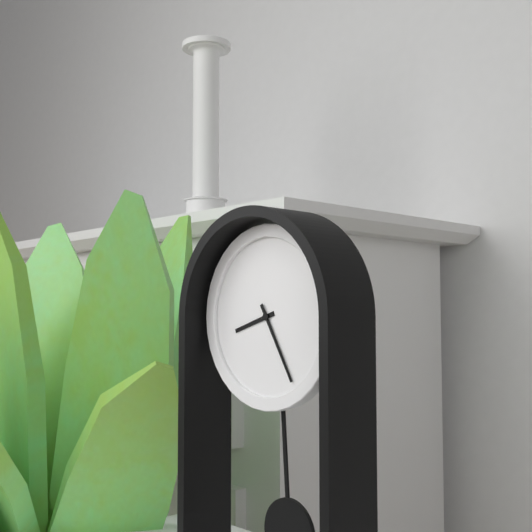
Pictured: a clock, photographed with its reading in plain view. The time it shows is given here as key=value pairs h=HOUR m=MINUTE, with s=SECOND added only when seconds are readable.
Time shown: h=8 m=25
